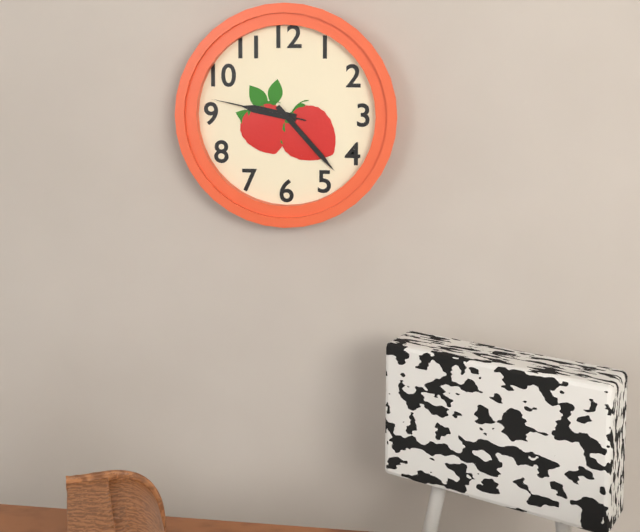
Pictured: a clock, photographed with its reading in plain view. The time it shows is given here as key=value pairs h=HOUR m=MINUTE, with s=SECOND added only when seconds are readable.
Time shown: h=9 m=23 s=47
